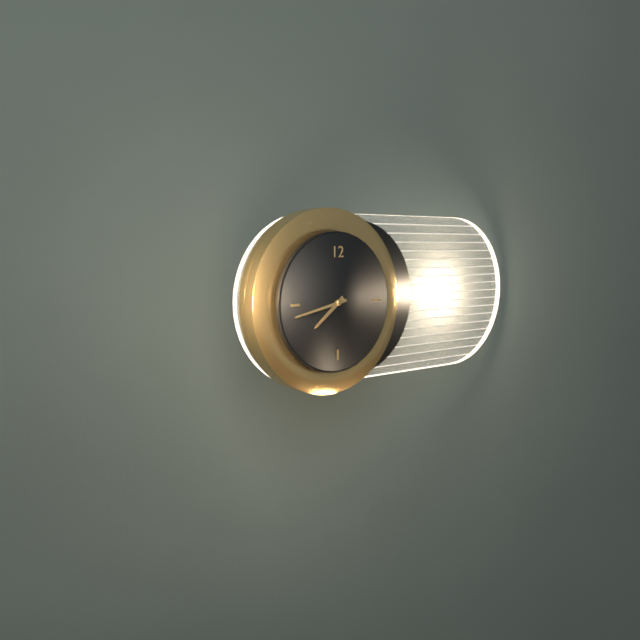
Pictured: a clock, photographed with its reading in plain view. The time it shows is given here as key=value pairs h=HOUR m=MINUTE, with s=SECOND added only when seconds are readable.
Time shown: h=7 m=43
